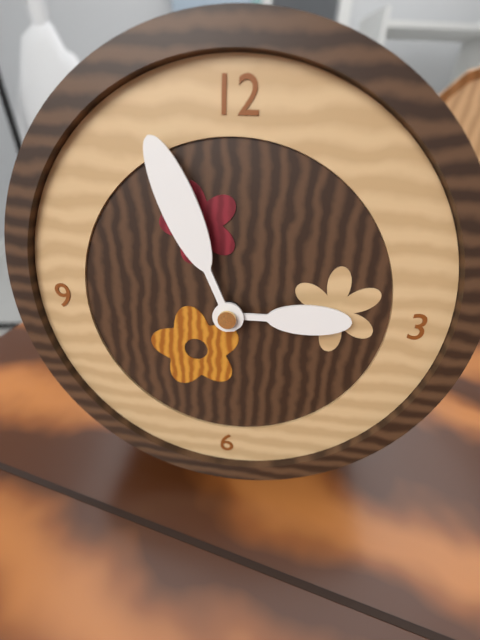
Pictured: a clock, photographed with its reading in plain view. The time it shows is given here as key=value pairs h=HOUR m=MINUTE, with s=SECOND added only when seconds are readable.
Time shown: h=2 m=56
